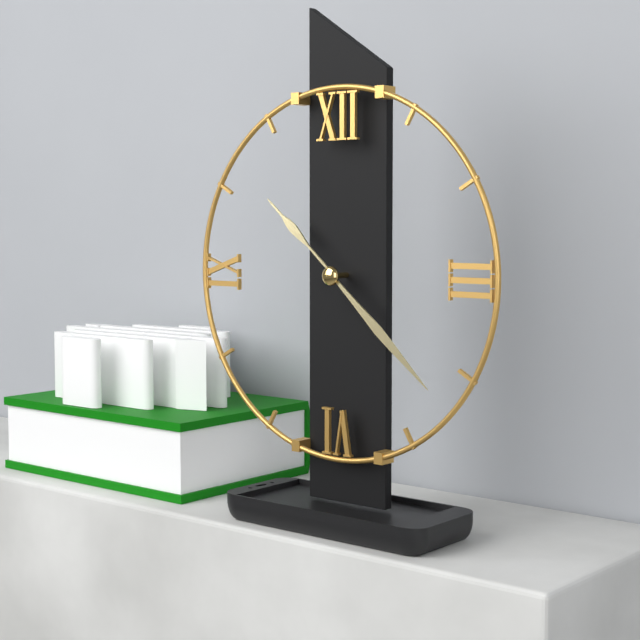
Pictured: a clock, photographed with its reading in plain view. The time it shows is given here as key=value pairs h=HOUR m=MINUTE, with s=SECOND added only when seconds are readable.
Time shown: h=10 m=22
